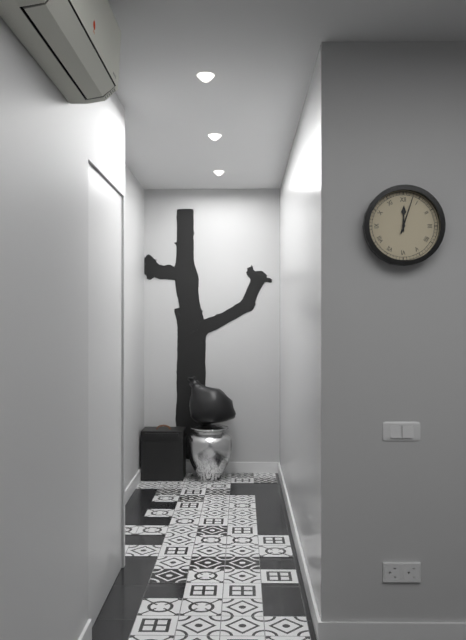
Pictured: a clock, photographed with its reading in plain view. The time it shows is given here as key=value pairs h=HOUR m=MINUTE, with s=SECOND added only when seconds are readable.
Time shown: h=12 m=3
